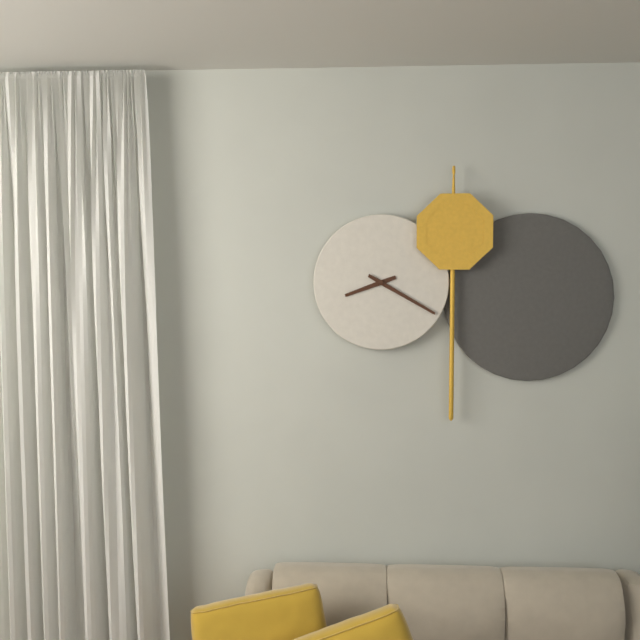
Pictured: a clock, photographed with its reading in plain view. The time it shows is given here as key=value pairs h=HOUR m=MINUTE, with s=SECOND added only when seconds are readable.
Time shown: h=8 m=20
